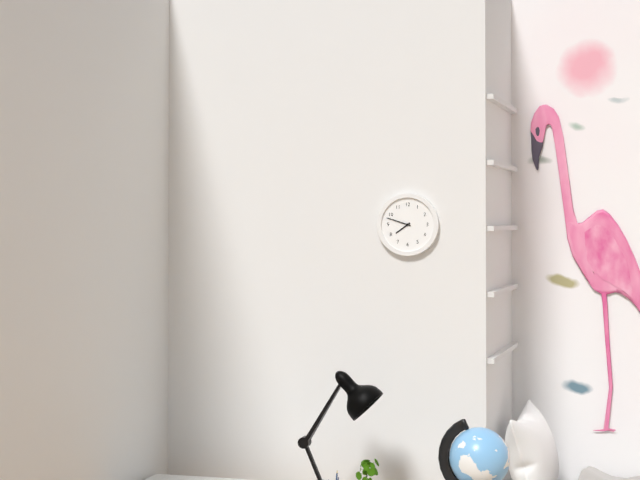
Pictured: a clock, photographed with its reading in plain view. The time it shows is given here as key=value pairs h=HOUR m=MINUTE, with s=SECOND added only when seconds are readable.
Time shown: h=7 m=48
